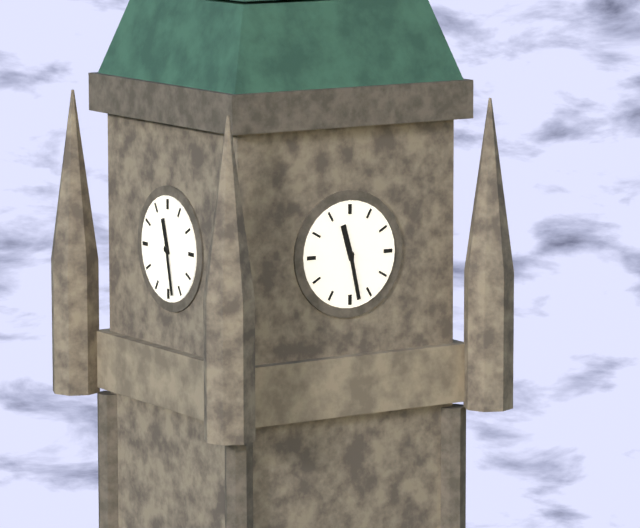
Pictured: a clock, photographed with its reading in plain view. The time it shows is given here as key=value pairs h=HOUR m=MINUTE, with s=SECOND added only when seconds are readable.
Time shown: h=11 m=28
